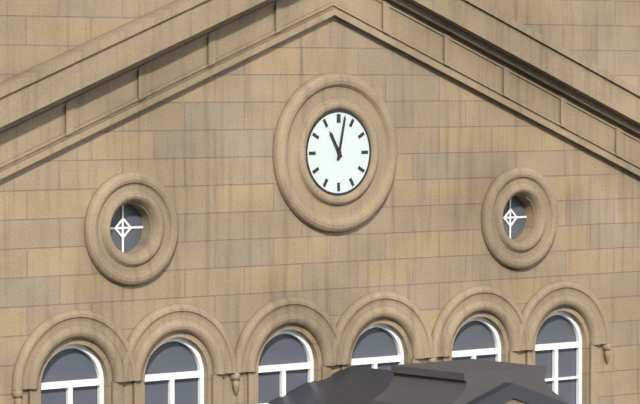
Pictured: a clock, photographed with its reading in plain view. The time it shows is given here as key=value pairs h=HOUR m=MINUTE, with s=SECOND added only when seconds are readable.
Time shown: h=11 m=2
